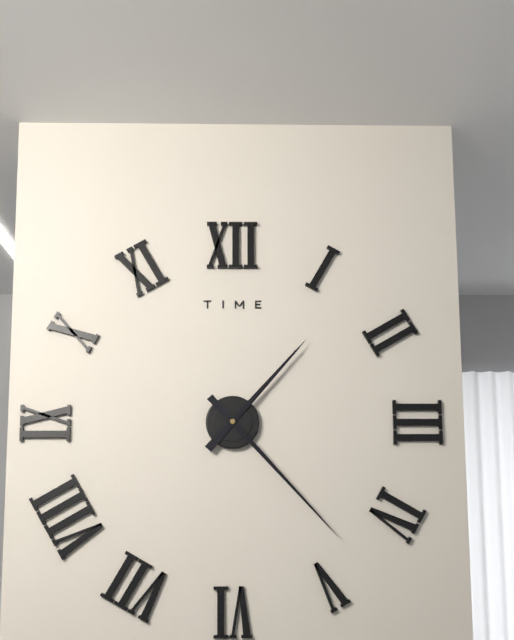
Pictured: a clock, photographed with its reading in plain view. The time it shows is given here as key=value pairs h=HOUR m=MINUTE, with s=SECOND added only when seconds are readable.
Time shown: h=1 m=23
